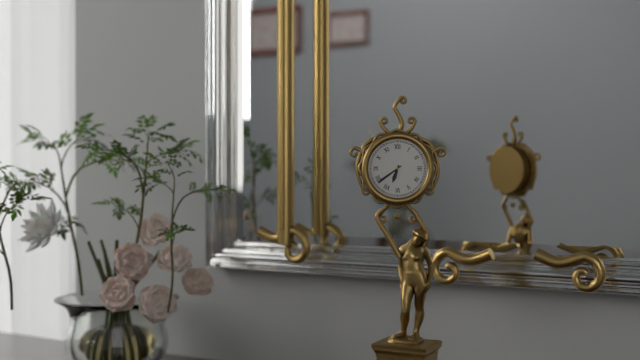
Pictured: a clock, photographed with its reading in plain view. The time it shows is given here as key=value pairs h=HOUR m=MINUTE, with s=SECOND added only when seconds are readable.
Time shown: h=6 m=39
